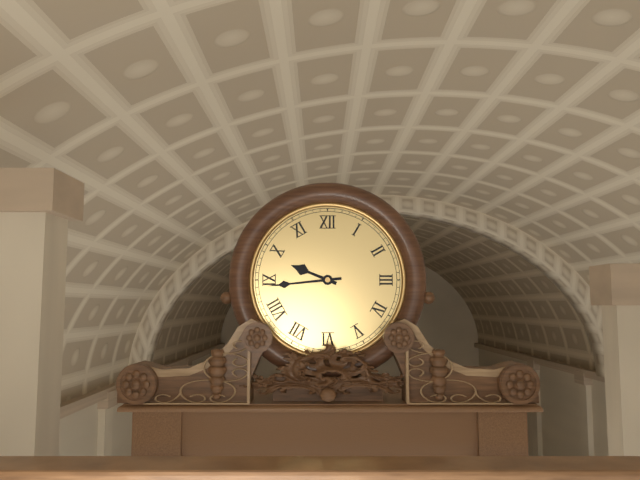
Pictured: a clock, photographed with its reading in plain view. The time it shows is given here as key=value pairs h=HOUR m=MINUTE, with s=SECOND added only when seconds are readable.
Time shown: h=9 m=44
